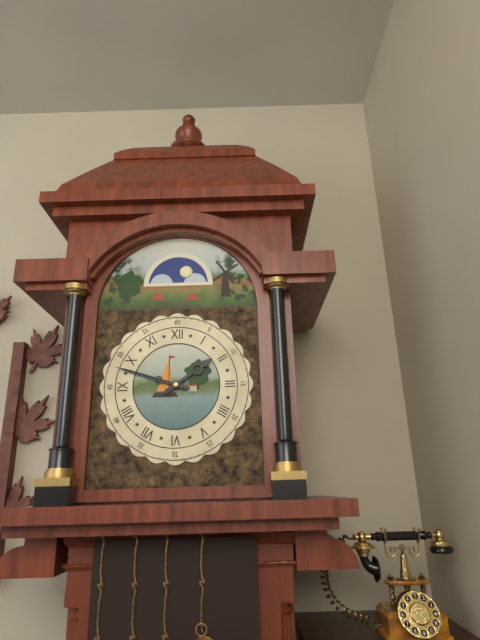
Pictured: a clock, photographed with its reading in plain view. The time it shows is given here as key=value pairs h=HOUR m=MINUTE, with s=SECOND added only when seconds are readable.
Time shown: h=1 m=48
